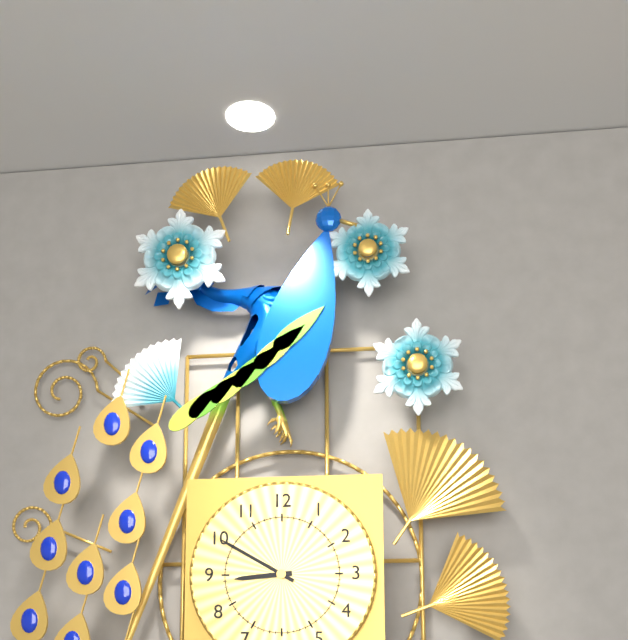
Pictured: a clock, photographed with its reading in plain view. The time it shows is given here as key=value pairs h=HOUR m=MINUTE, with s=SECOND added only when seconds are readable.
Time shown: h=8 m=50
